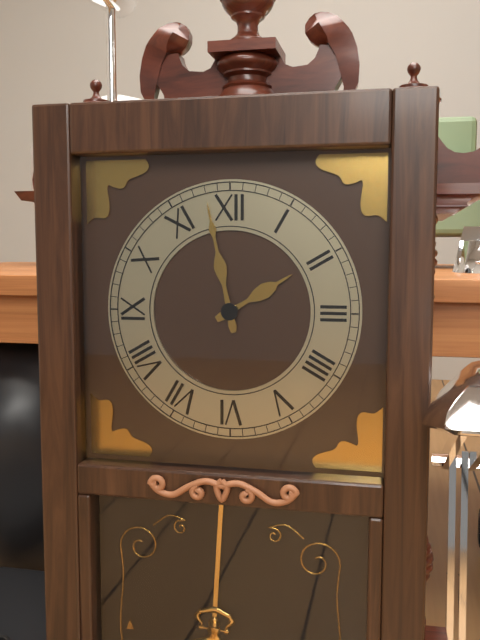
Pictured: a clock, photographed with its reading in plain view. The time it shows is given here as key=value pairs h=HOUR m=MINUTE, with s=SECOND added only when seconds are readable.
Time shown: h=1 m=58
